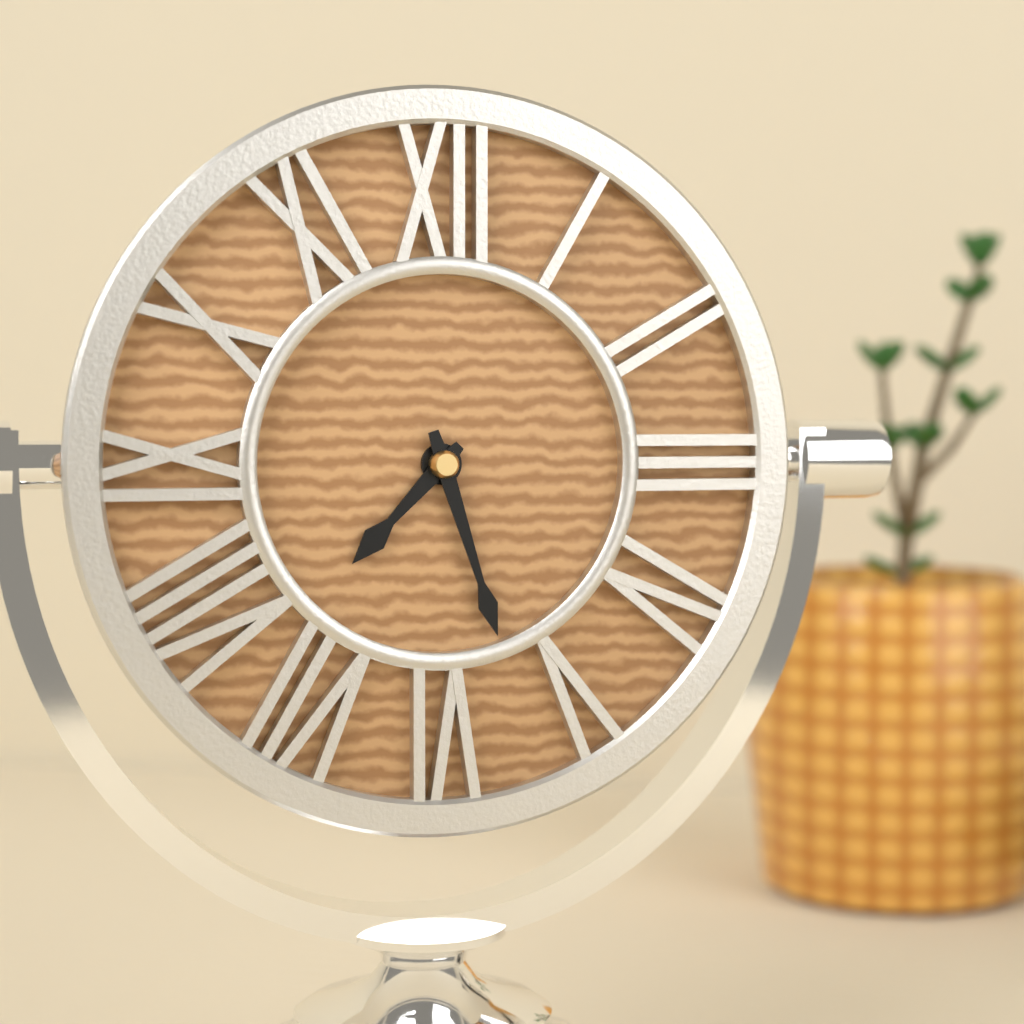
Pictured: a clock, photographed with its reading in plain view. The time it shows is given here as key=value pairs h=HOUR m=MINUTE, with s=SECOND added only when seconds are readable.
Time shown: h=7 m=27
